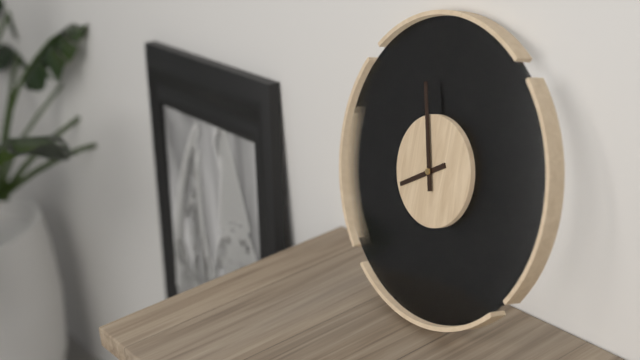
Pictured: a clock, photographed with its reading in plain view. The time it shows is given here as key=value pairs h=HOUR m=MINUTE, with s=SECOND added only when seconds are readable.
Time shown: h=7 m=57
